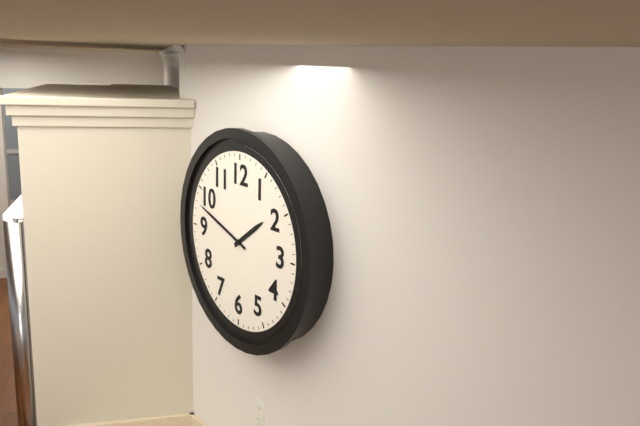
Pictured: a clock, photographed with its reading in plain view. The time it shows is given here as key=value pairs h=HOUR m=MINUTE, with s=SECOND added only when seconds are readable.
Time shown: h=1 m=48
